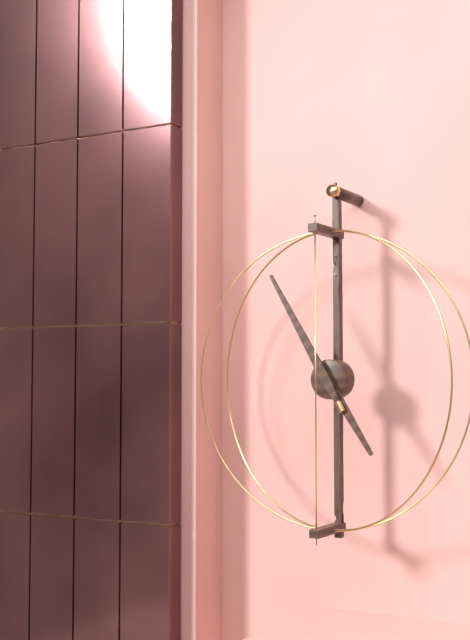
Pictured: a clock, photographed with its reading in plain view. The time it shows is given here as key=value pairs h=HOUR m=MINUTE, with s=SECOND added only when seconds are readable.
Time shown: h=4 m=55
